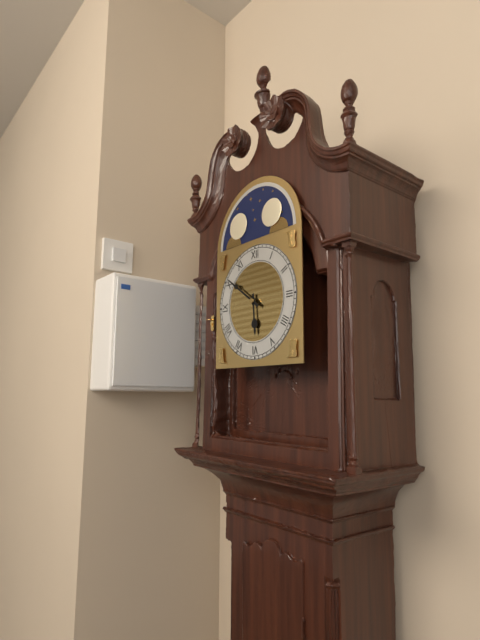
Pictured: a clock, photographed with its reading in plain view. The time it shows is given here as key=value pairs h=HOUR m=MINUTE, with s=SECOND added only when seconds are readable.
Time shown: h=5 m=51
